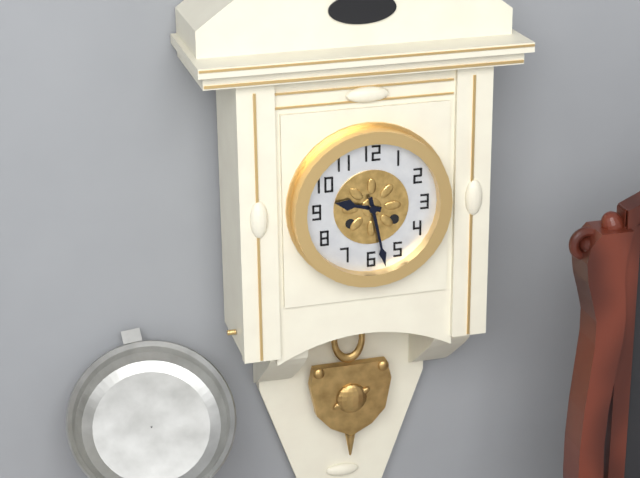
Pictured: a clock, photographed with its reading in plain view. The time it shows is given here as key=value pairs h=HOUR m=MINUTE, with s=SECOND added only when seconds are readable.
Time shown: h=9 m=28
